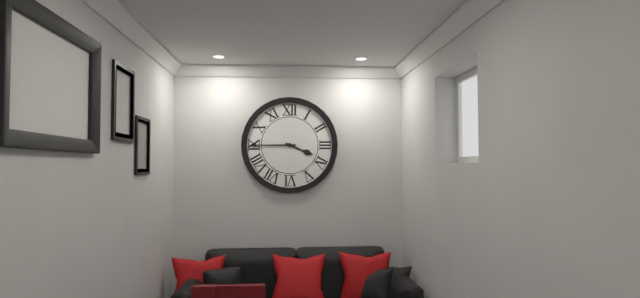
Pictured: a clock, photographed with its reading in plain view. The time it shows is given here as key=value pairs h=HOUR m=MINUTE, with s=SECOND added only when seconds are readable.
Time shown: h=3 m=45
